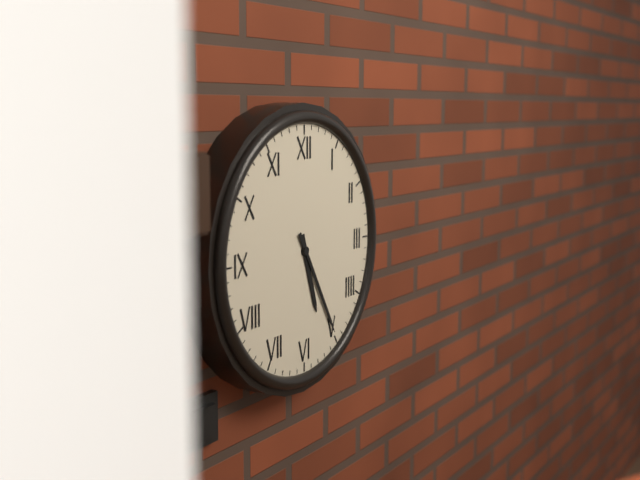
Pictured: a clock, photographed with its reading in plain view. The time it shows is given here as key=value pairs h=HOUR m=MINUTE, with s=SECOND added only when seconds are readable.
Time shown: h=5 m=25
